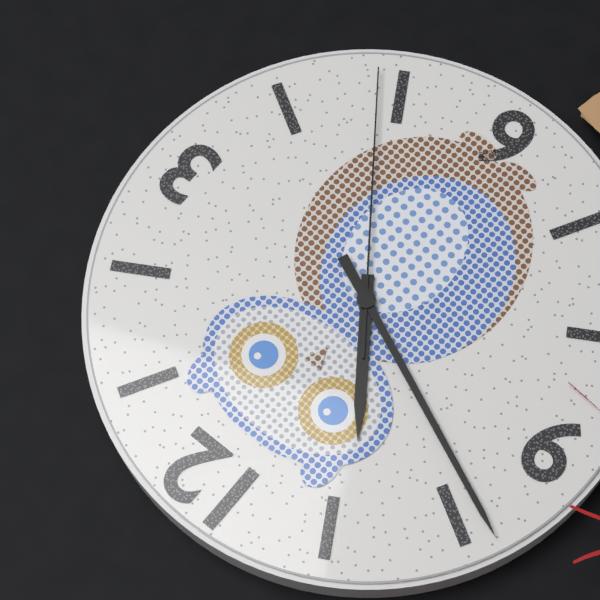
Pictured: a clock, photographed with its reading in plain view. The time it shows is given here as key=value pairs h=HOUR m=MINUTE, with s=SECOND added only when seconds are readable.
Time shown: h=10 m=49 s=24
